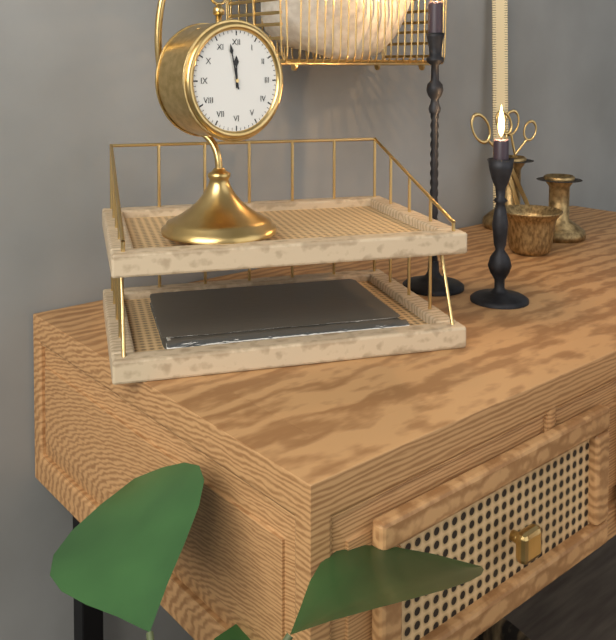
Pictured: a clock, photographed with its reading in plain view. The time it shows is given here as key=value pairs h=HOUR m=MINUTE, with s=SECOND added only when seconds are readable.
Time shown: h=11 m=58
